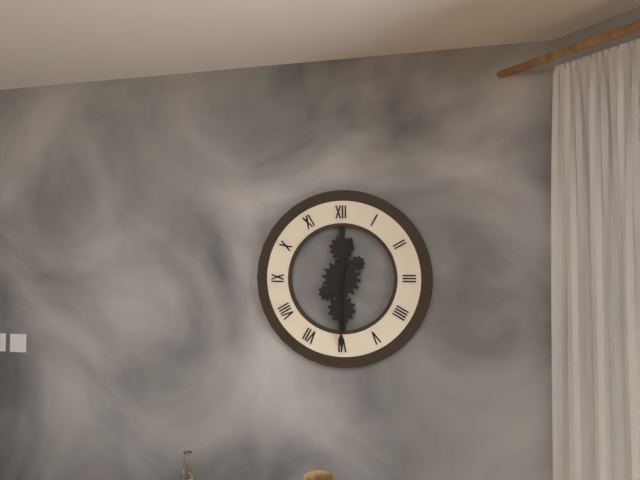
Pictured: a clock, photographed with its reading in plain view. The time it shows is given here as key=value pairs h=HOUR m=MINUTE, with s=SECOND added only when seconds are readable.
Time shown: h=12 m=30
